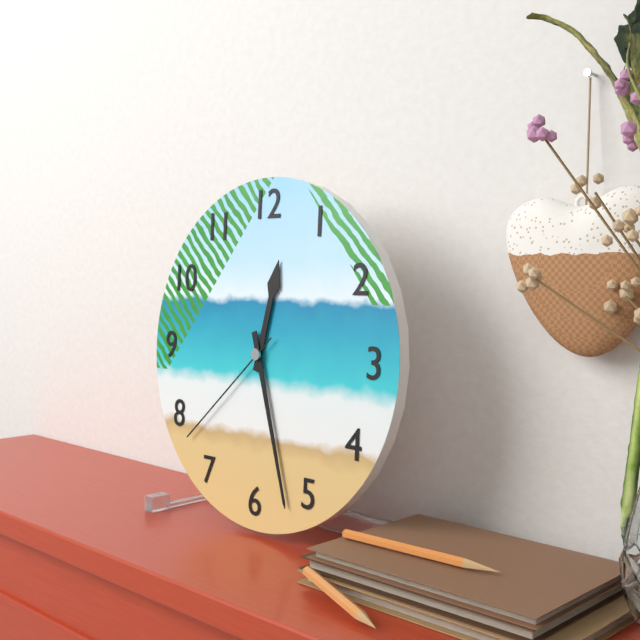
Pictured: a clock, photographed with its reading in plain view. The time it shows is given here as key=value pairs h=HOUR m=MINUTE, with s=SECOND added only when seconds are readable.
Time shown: h=12 m=27 s=38
